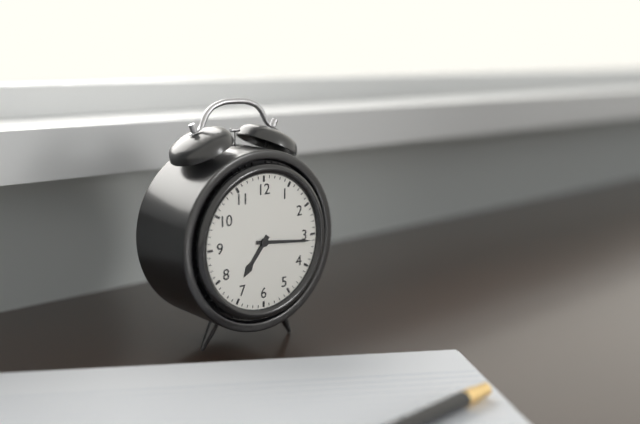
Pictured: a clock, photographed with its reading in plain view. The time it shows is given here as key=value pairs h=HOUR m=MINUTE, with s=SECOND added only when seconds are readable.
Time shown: h=7 m=16
